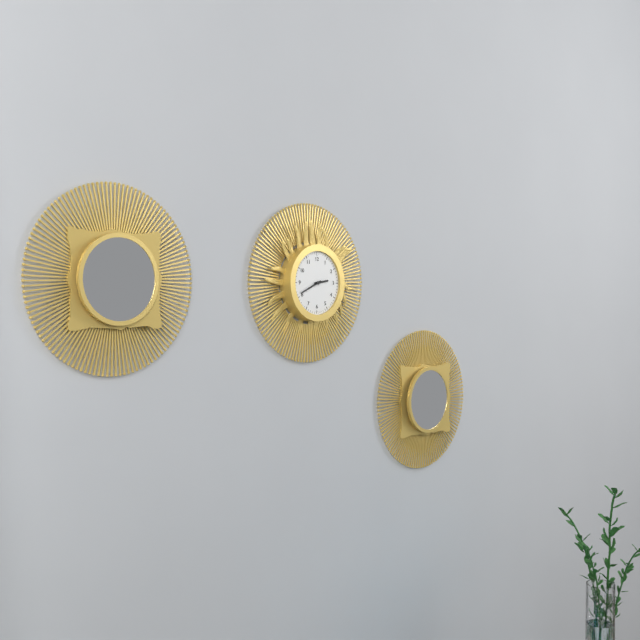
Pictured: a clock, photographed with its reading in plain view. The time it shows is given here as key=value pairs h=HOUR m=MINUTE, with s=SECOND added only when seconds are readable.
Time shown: h=2 m=41
